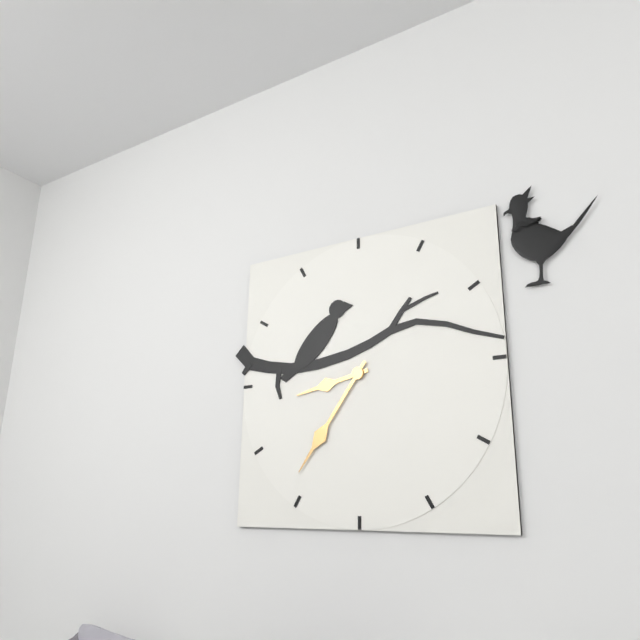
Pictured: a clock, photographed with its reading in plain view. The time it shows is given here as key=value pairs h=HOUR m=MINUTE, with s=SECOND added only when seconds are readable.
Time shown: h=8 m=36
